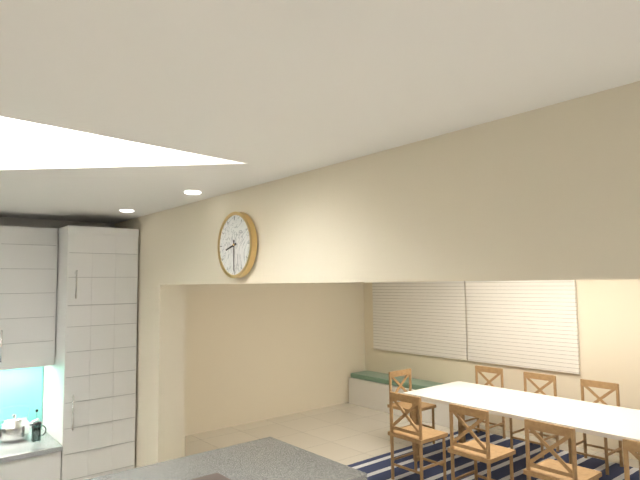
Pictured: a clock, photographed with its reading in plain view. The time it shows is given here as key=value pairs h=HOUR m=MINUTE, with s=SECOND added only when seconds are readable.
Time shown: h=8 m=30
